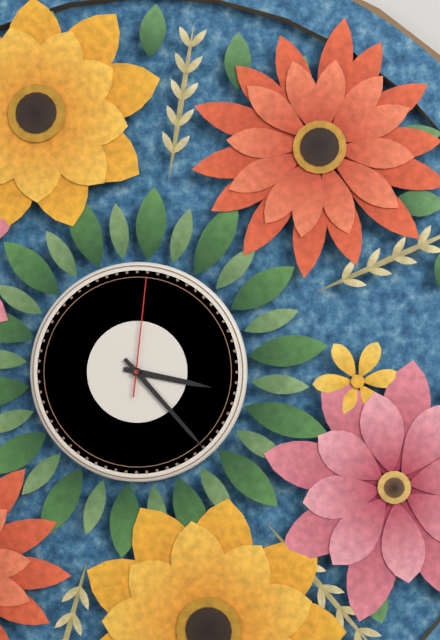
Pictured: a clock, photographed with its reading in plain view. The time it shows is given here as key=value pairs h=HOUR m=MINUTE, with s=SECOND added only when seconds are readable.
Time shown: h=3 m=23 s=1
